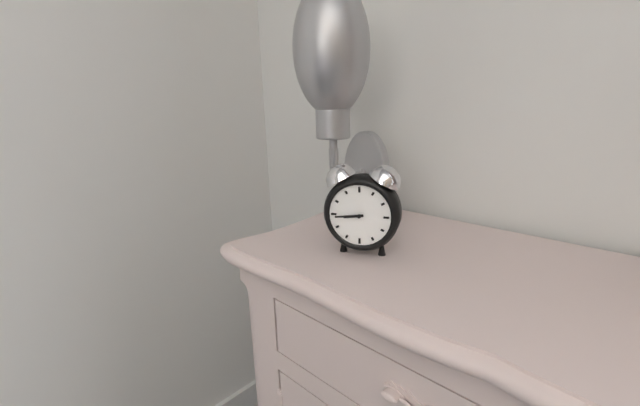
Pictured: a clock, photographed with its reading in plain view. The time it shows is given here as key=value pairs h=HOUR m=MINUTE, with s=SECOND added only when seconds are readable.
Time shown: h=8 m=44
